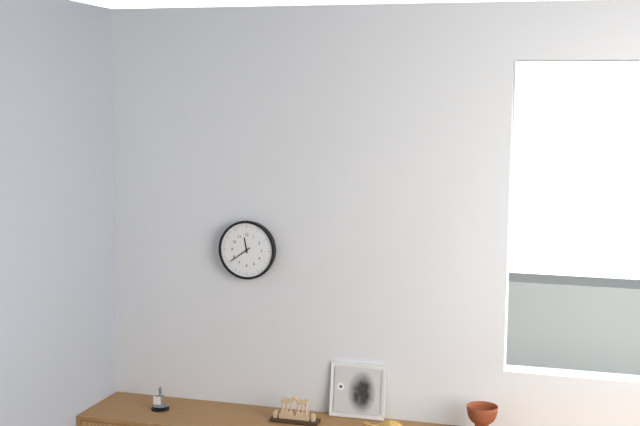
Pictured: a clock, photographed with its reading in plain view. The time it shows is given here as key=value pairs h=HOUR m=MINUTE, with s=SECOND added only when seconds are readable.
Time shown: h=11 m=39
